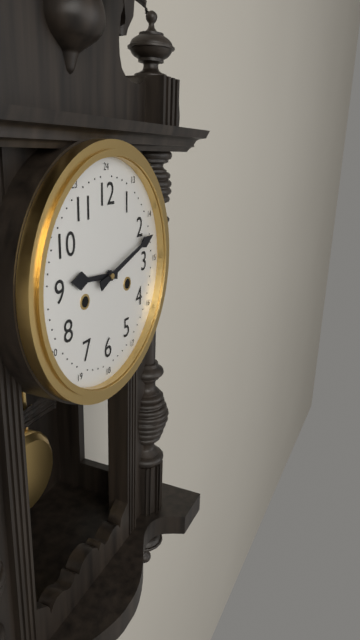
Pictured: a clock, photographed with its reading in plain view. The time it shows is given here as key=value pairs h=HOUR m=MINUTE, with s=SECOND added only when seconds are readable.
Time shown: h=9 m=12
